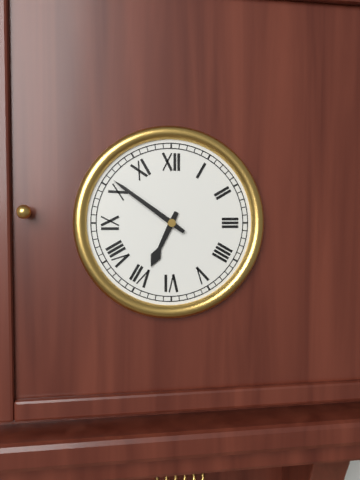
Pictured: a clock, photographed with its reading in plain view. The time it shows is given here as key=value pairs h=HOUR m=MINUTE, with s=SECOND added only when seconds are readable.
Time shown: h=6 m=51
